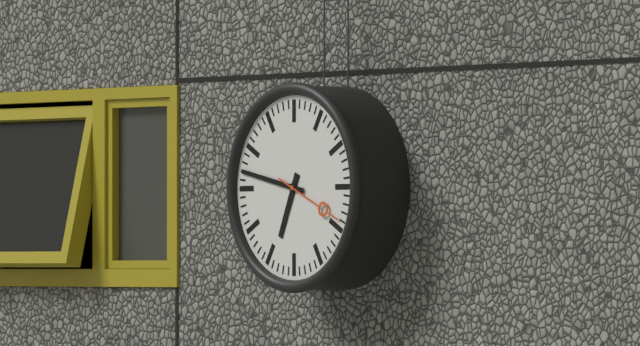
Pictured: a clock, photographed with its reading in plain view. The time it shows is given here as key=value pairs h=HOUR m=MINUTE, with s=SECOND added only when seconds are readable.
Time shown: h=6 m=47 s=19
